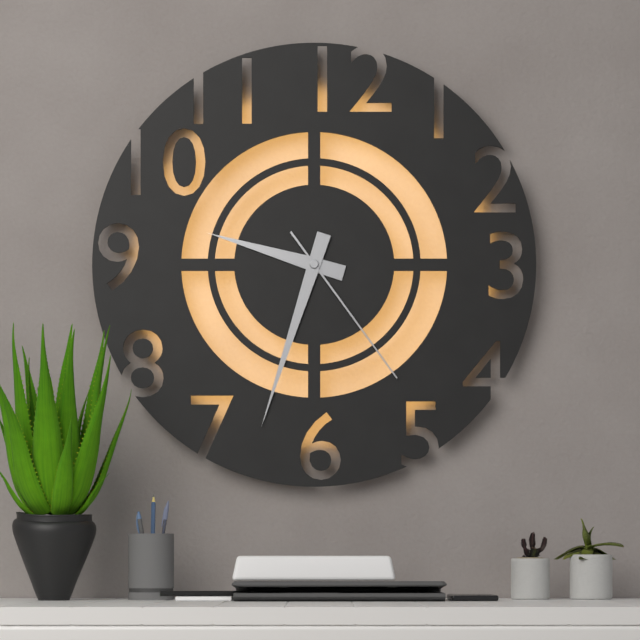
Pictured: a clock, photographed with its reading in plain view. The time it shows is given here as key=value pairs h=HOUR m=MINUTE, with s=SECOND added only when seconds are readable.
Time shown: h=9 m=33 s=24
